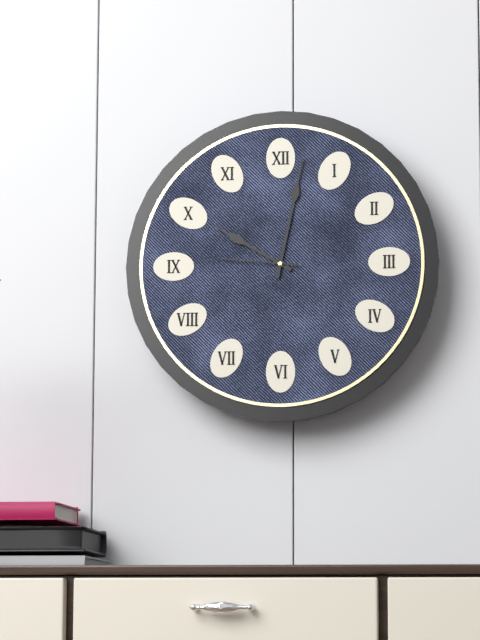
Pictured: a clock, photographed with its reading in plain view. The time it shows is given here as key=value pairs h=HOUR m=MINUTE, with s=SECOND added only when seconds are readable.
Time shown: h=10 m=2 s=46
